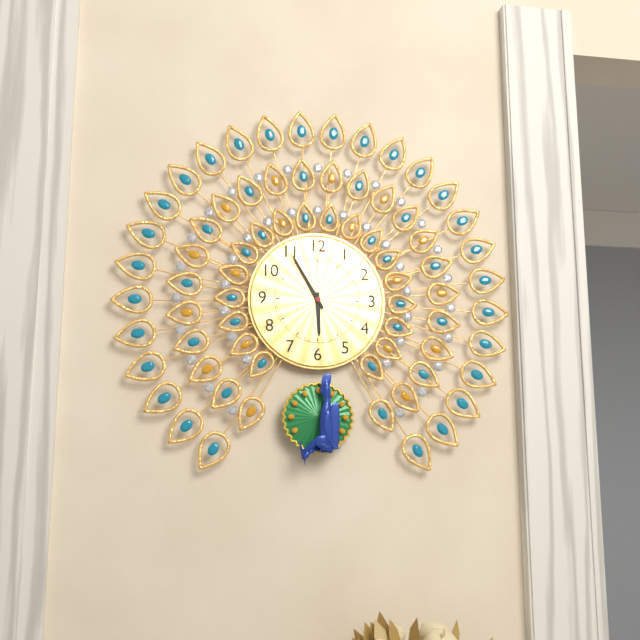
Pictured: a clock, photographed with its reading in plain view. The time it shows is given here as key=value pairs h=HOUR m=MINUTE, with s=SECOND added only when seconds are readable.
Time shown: h=5 m=55
